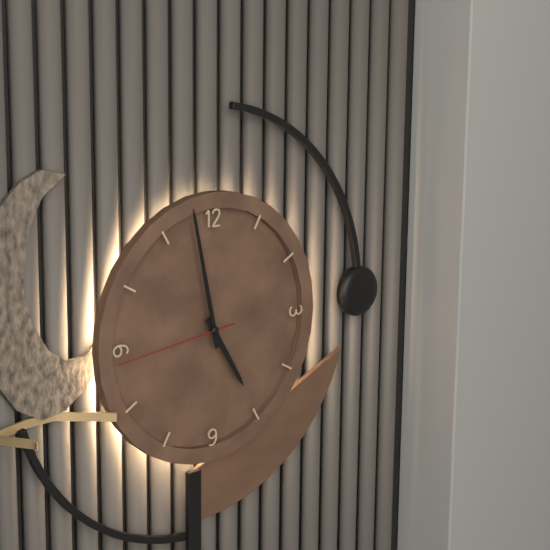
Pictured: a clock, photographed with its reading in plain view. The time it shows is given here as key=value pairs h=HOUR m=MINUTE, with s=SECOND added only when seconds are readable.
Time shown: h=4 m=58 s=44
